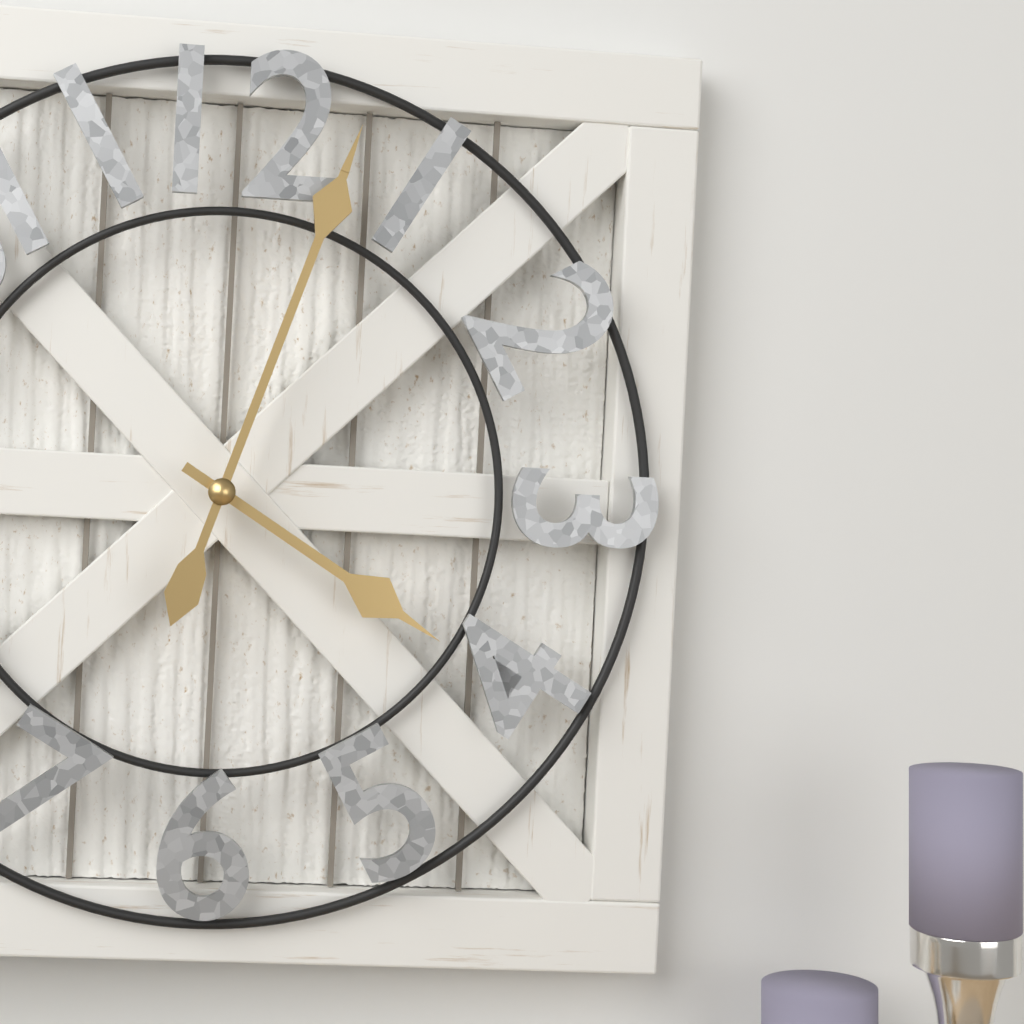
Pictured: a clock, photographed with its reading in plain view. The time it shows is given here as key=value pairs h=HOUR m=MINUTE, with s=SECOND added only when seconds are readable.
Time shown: h=4 m=3
